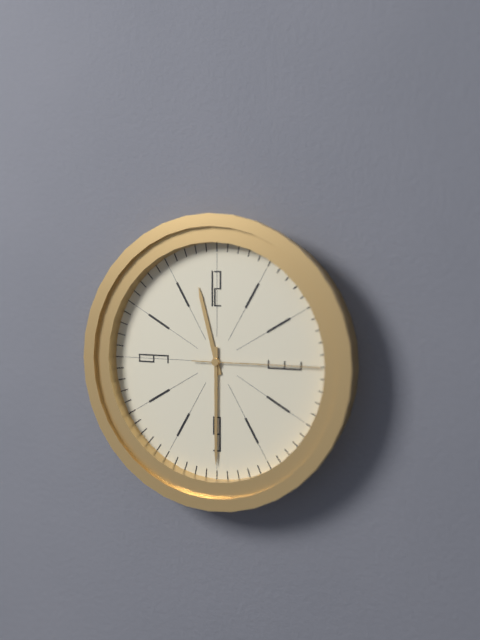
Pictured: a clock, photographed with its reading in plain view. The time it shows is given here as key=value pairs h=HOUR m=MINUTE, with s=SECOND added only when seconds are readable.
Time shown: h=11 m=30 s=15
